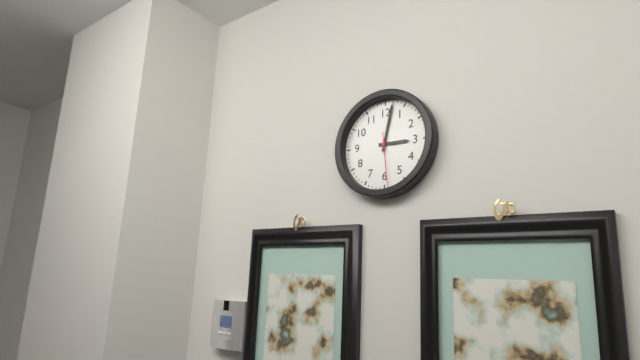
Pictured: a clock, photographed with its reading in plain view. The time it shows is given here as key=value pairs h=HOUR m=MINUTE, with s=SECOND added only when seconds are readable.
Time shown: h=3 m=2 s=29
